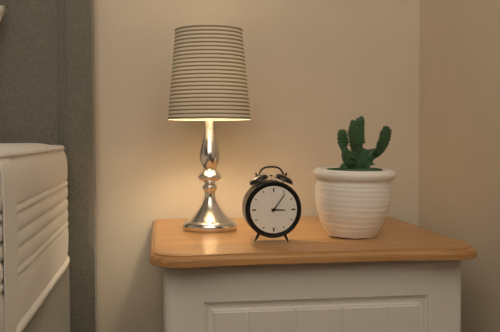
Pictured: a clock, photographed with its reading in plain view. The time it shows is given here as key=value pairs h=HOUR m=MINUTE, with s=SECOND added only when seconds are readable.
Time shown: h=3 m=6
